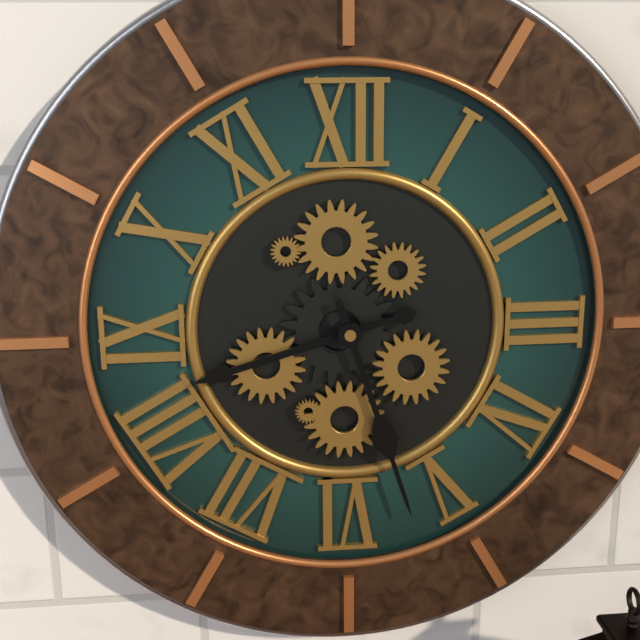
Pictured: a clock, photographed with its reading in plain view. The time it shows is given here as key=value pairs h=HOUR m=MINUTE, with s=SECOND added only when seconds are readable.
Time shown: h=8 m=27
